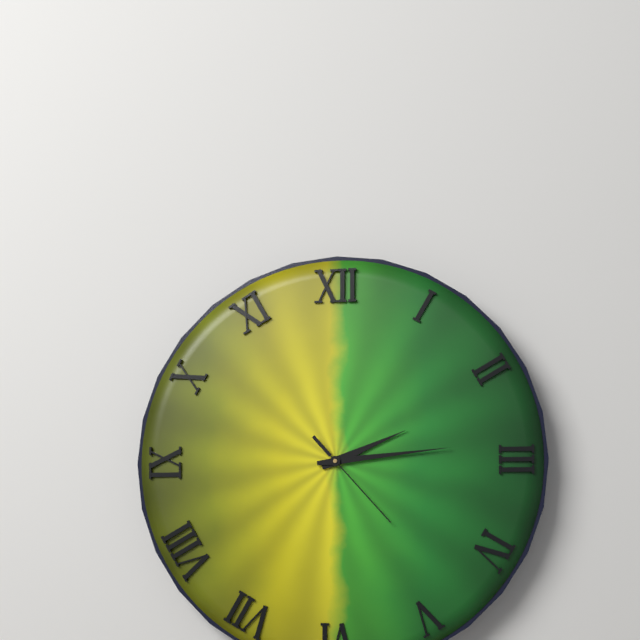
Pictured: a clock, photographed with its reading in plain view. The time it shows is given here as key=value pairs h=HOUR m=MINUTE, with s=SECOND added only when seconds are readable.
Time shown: h=2 m=14 s=23
